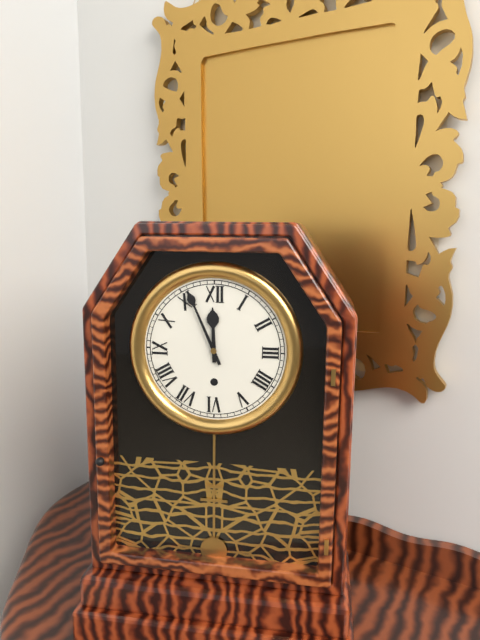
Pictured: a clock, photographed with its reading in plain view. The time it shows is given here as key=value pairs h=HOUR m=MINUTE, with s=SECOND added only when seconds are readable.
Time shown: h=11 m=56
